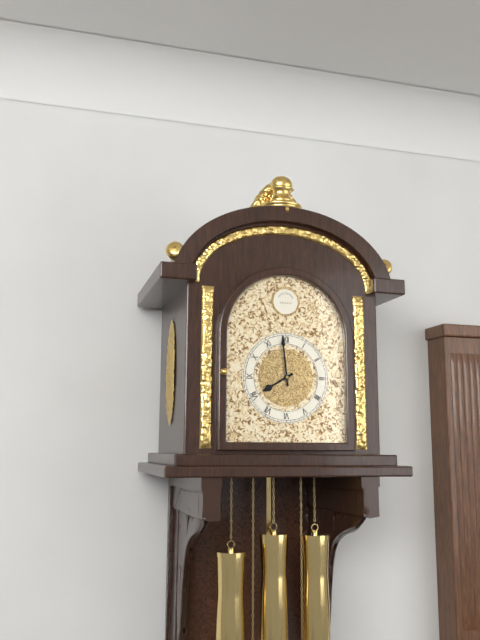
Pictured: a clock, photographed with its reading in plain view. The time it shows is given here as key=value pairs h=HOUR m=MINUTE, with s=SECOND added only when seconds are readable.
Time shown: h=7 m=59
